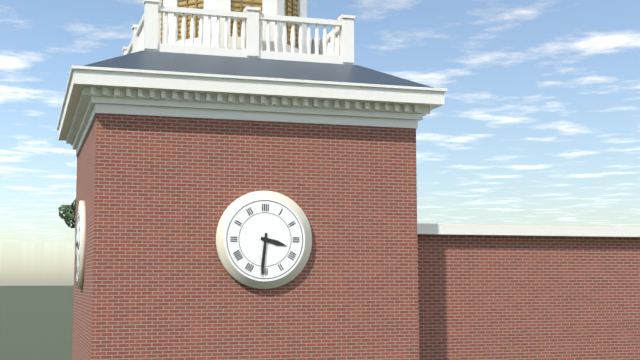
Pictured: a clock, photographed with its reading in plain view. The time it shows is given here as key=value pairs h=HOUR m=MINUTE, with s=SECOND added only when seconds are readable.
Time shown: h=3 m=31
